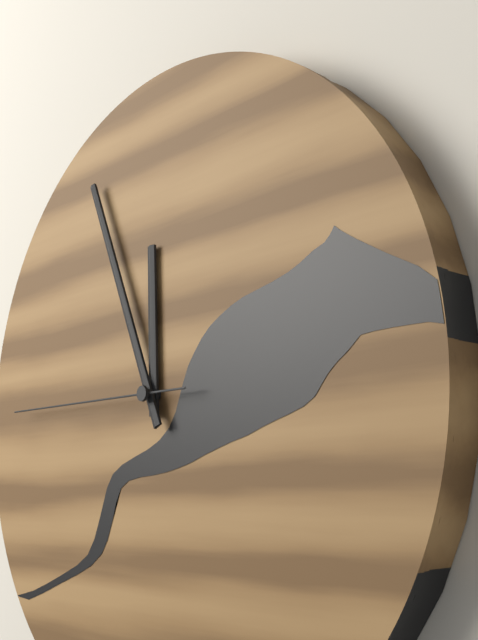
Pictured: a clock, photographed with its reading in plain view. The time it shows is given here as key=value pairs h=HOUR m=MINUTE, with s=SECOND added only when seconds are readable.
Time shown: h=11 m=56 s=45
